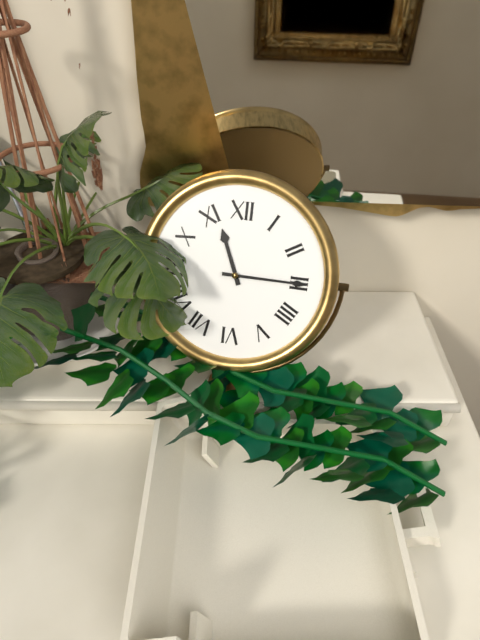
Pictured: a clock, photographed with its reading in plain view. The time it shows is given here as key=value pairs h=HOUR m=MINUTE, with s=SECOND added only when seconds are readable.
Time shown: h=11 m=15
